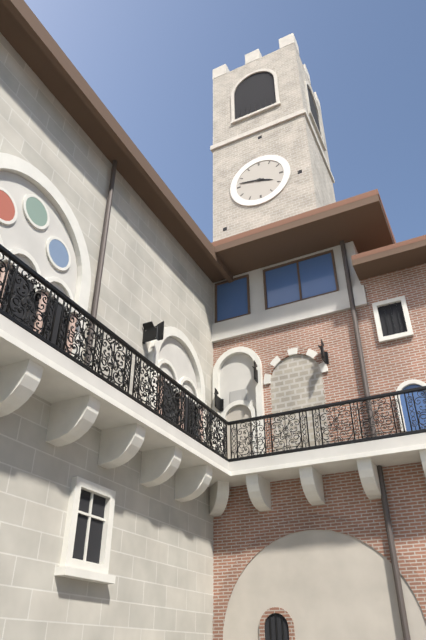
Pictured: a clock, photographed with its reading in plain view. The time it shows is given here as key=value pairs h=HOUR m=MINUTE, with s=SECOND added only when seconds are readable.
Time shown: h=3 m=47
